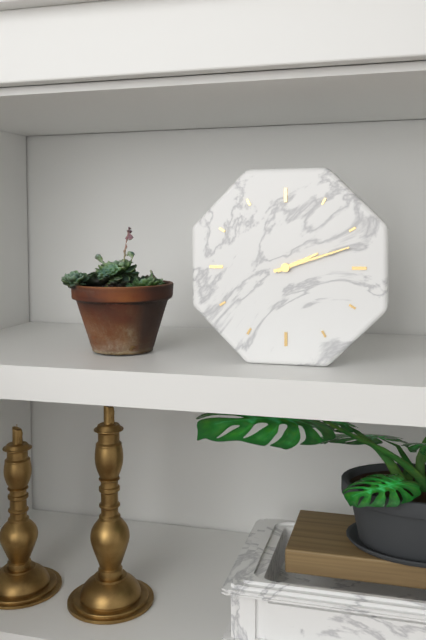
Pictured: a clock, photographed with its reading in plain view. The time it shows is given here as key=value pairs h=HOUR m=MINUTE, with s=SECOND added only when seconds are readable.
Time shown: h=2 m=12
